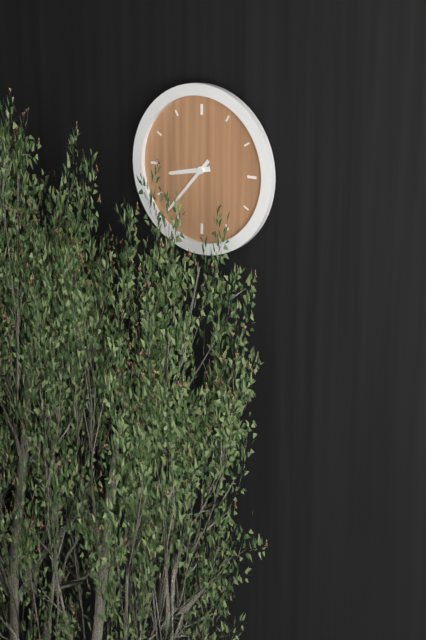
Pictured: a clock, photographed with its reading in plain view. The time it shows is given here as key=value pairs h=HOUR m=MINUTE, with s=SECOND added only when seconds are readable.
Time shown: h=8 m=37
